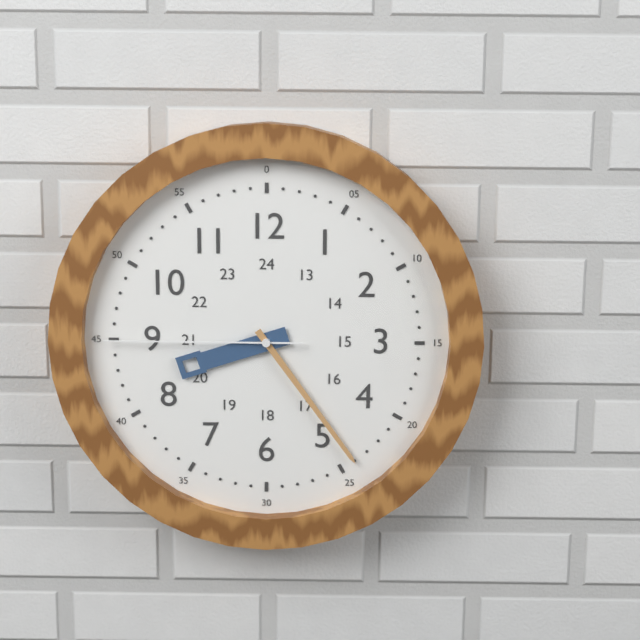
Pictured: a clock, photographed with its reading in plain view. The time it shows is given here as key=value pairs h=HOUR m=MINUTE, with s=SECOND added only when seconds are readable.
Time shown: h=8 m=24 s=45
